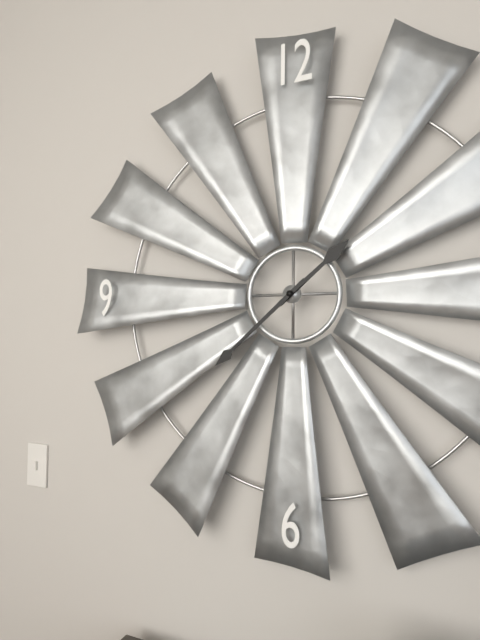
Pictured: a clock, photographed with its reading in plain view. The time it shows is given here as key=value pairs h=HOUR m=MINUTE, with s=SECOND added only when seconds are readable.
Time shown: h=1 m=38
